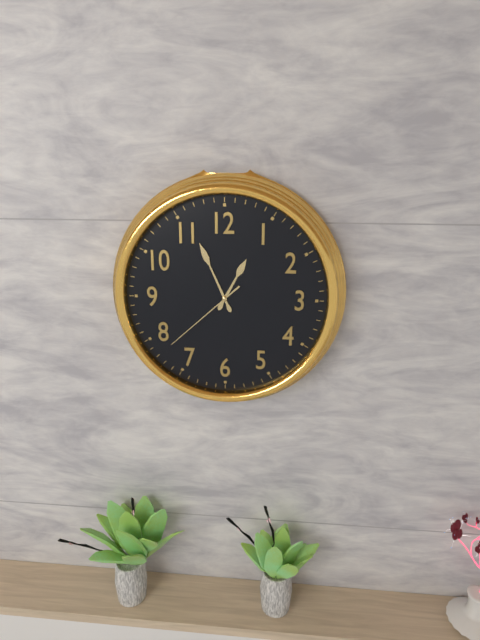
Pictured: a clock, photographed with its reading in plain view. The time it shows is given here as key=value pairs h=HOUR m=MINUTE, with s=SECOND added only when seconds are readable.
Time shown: h=12 m=56 s=38
